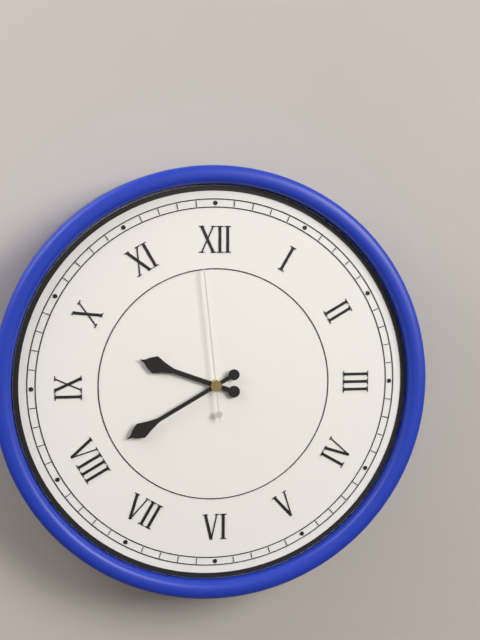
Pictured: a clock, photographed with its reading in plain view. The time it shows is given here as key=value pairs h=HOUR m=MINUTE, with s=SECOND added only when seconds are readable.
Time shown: h=9 m=40 s=59
